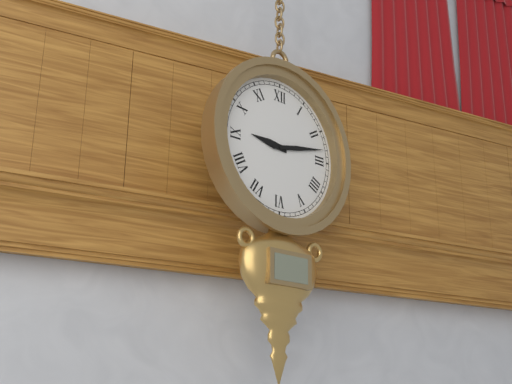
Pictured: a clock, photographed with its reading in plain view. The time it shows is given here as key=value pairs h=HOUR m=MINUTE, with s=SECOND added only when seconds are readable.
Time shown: h=9 m=13
